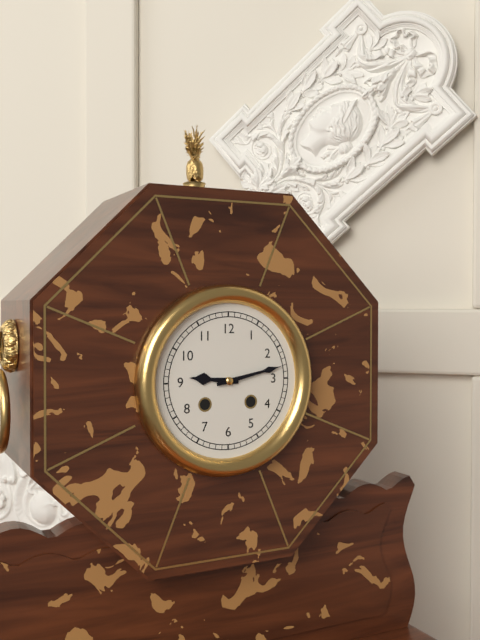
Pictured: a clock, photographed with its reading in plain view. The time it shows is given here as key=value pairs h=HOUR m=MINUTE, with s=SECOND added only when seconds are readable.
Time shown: h=9 m=13
